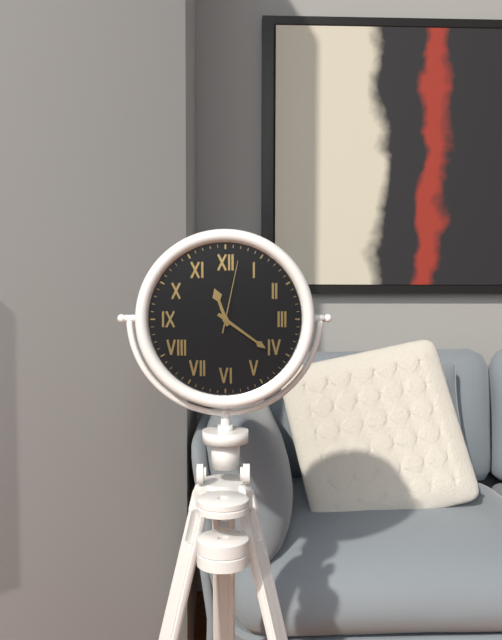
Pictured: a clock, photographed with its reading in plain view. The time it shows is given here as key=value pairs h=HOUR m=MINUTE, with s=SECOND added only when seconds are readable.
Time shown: h=11 m=21 s=2
